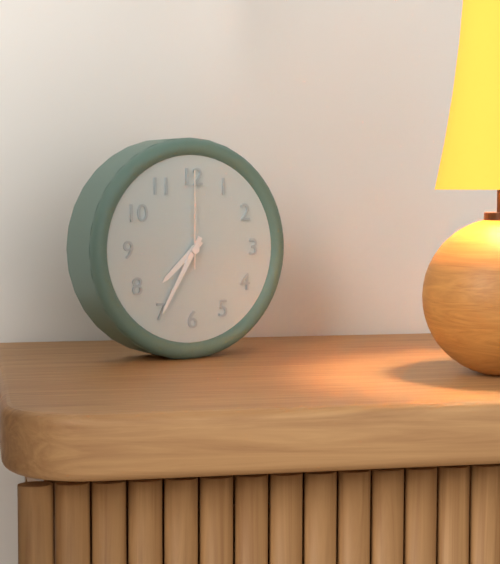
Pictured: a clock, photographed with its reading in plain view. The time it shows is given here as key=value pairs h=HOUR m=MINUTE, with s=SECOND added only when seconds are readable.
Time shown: h=7 m=35 s=0
